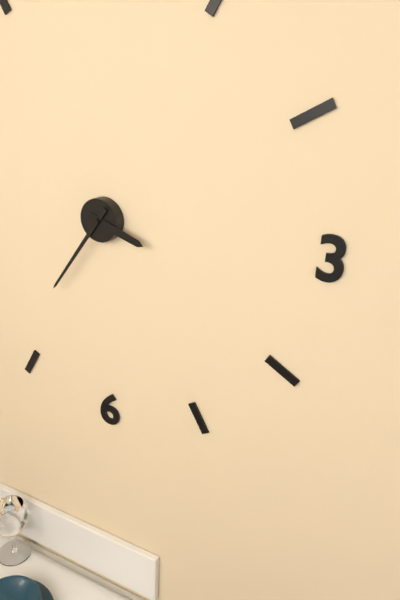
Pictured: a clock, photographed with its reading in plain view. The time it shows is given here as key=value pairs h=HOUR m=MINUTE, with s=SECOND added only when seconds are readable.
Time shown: h=3 m=36
